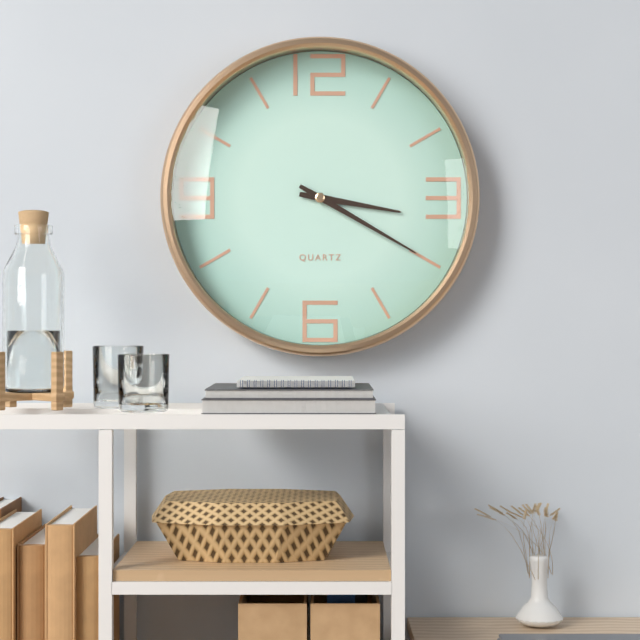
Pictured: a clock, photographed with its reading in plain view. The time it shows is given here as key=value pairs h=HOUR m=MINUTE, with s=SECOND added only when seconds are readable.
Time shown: h=3 m=20
